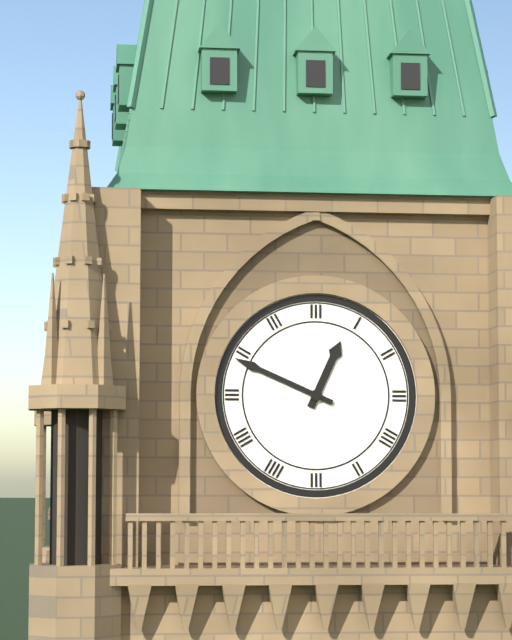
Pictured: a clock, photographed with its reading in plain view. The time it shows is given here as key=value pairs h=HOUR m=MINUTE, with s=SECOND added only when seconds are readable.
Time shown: h=12 m=49
